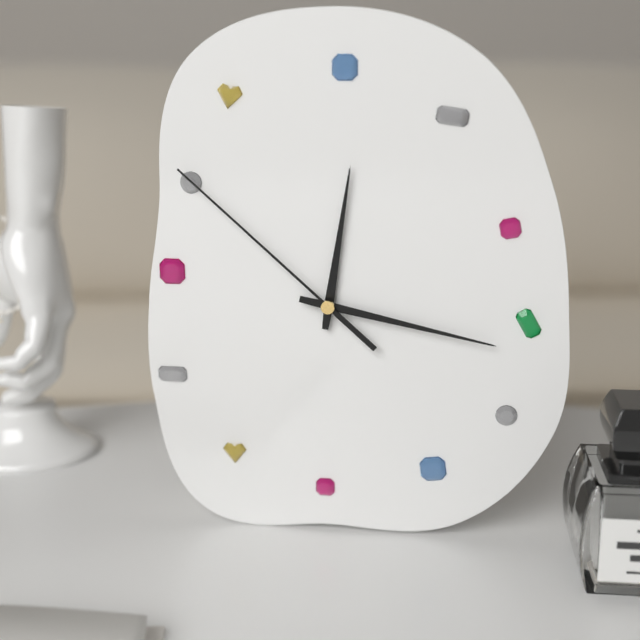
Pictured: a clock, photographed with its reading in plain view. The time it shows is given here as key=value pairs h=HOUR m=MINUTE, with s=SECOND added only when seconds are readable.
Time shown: h=12 m=17 s=52
